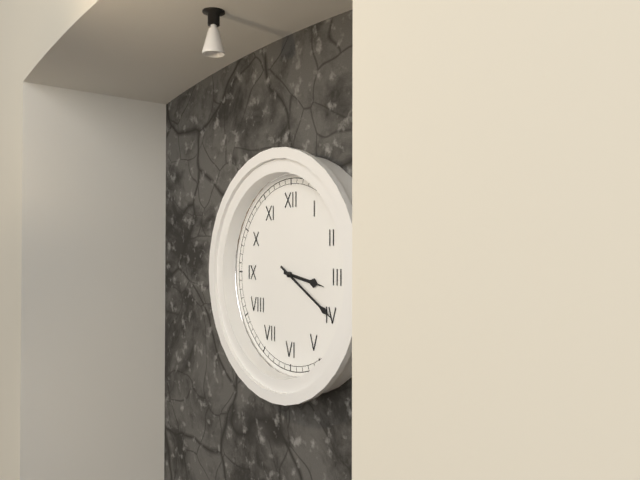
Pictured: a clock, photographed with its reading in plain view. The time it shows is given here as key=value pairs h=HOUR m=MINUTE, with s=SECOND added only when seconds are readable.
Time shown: h=3 m=20
